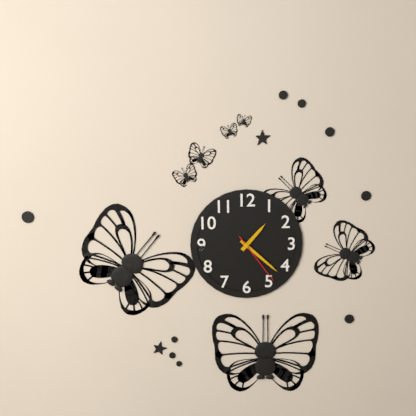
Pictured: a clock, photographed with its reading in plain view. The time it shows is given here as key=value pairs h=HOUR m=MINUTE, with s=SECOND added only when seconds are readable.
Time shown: h=1 m=22 s=24
